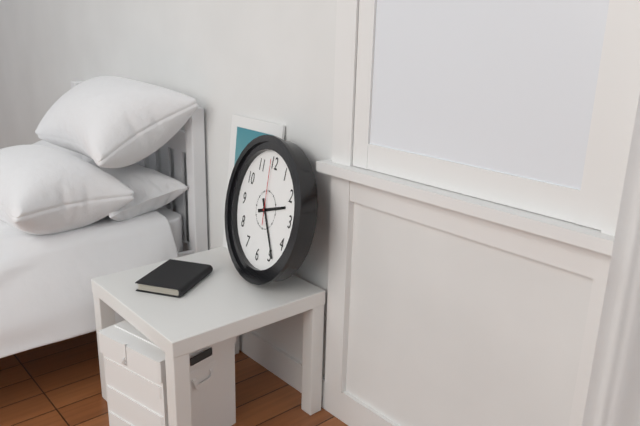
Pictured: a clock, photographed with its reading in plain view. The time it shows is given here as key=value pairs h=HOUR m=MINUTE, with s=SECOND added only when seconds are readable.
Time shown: h=2 m=24 s=59
